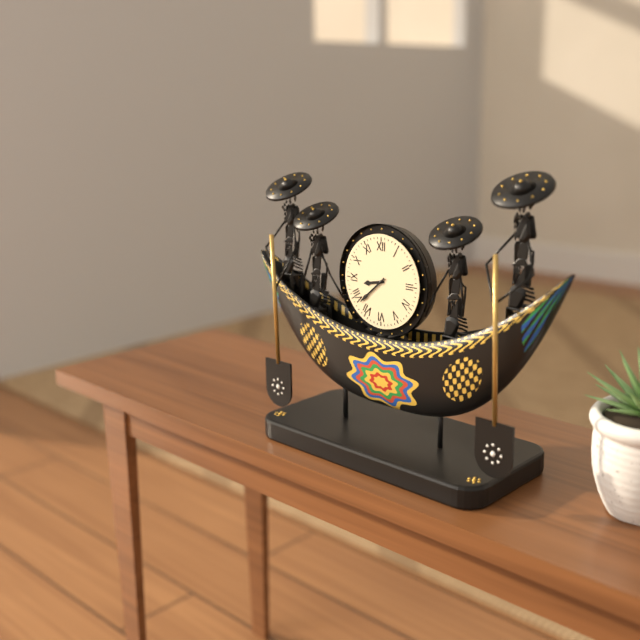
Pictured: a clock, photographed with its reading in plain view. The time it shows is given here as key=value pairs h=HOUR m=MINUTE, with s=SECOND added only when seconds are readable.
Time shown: h=8 m=38
